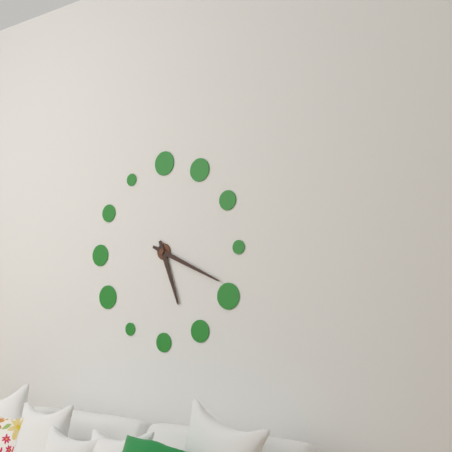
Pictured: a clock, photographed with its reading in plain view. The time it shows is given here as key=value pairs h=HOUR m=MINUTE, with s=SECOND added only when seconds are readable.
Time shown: h=5 m=19
